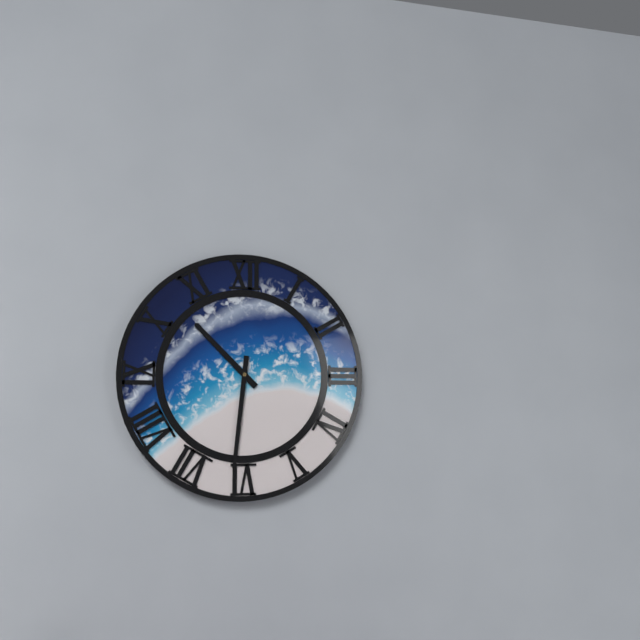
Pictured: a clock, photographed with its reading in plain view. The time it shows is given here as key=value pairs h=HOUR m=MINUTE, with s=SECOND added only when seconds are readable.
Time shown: h=10 m=31
